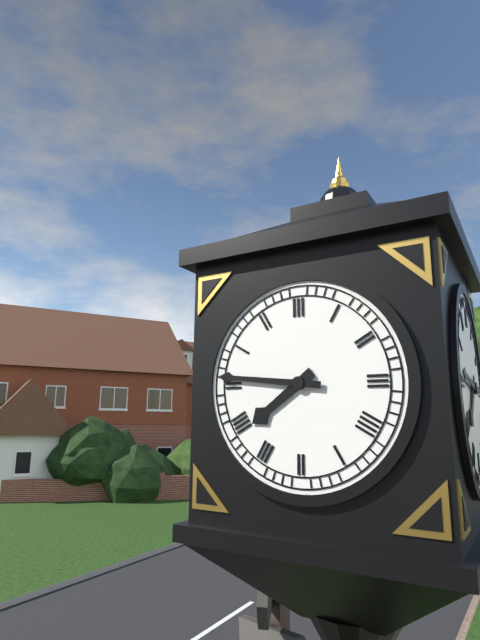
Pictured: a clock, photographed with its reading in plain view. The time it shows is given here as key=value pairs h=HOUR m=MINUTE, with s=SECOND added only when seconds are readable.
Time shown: h=7 m=46
